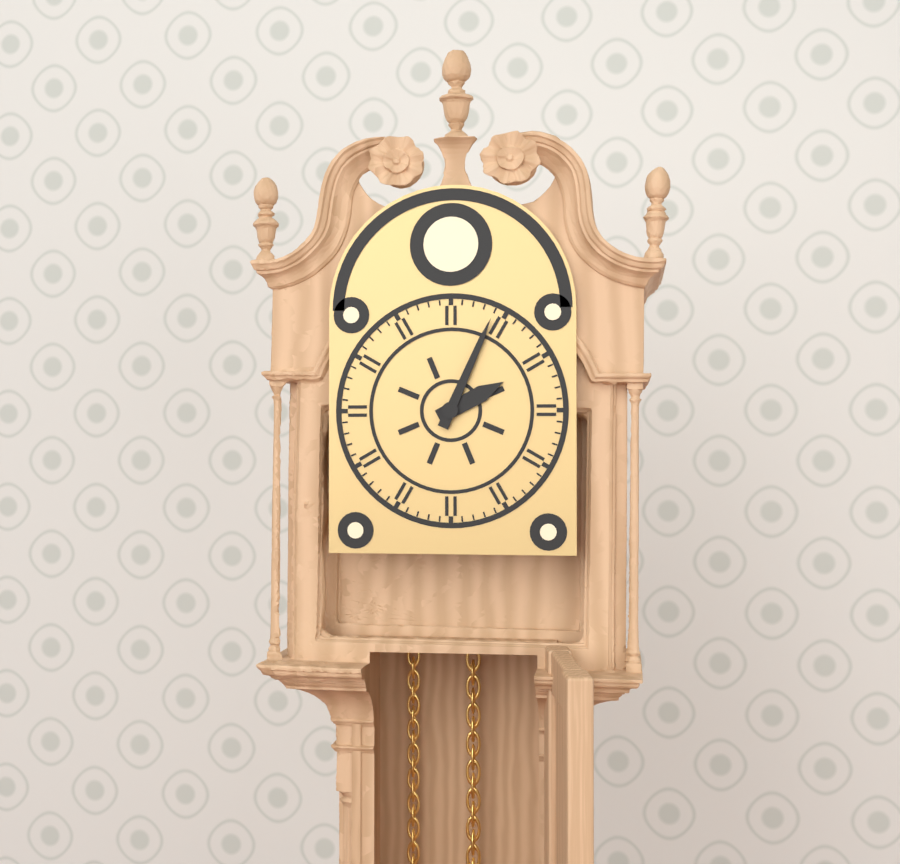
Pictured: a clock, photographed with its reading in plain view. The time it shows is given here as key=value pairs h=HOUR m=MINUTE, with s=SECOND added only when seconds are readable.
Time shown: h=2 m=4
